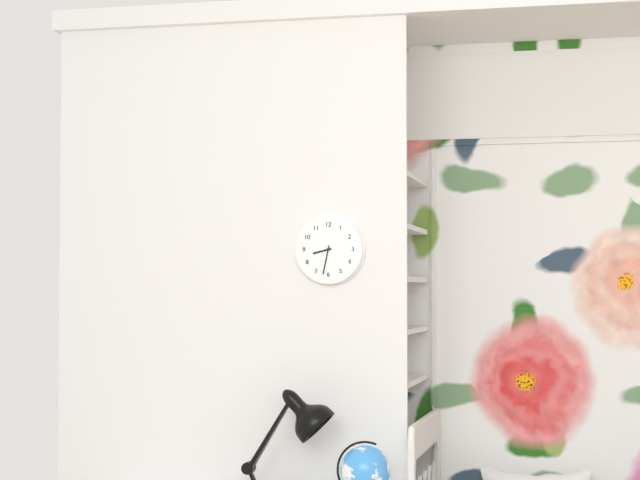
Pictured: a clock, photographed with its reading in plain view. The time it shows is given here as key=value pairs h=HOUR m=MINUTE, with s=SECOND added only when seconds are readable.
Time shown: h=8 m=32
